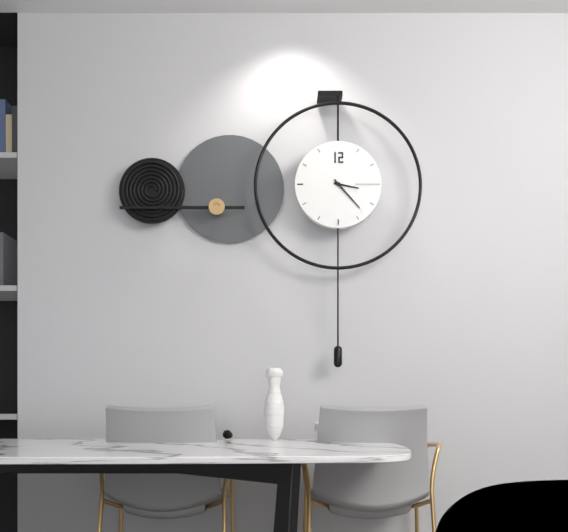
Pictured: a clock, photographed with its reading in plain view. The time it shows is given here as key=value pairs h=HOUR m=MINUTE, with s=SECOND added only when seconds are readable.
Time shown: h=3 m=23
